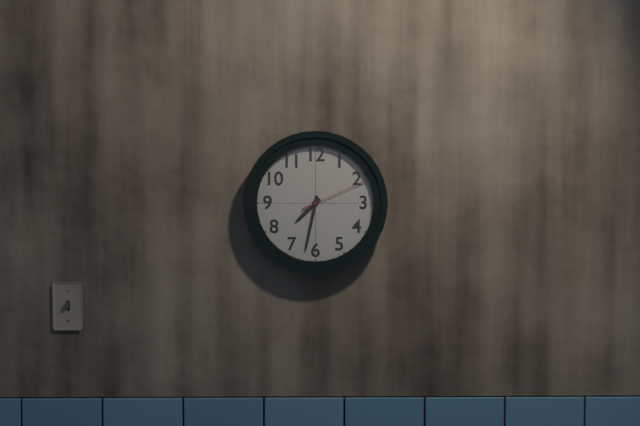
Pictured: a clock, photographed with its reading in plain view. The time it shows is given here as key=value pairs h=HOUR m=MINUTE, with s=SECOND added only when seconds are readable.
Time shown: h=7 m=32 s=11
